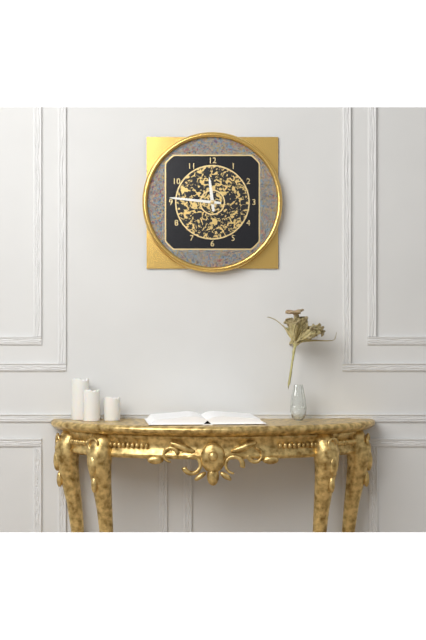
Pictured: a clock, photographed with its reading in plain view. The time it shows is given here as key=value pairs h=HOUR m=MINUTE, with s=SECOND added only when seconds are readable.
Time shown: h=11 m=46
